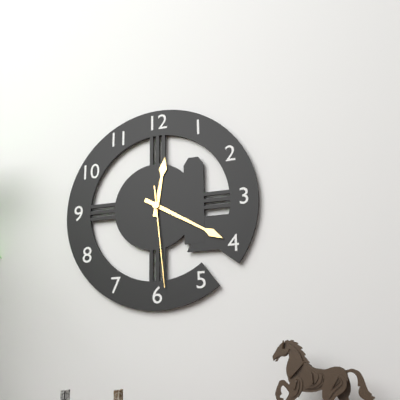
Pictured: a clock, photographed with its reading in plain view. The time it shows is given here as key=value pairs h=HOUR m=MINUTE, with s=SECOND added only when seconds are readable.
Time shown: h=12 m=20 s=29
